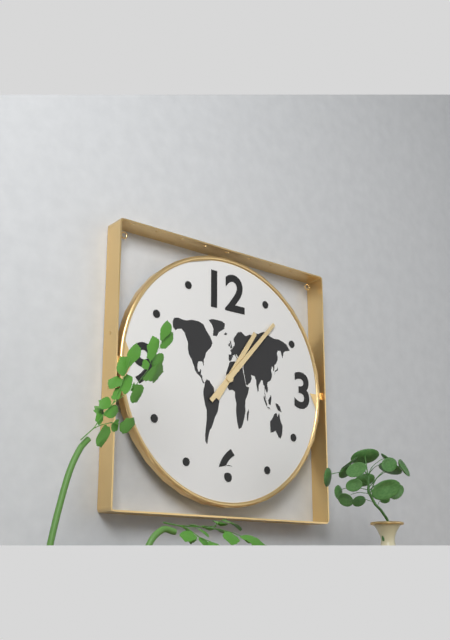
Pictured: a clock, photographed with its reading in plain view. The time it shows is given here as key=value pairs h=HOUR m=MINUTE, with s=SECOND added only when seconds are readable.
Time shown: h=1 m=7
